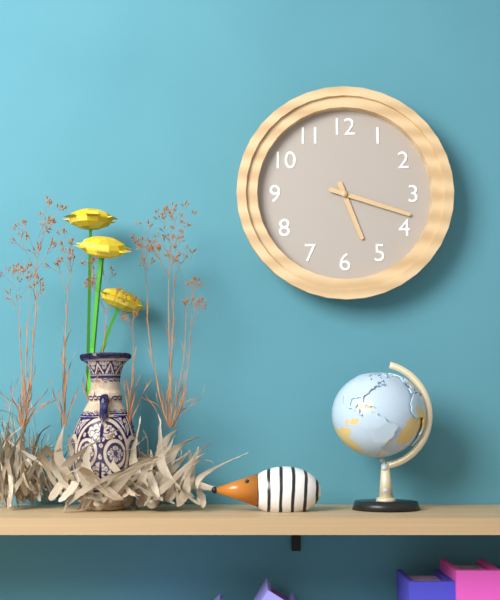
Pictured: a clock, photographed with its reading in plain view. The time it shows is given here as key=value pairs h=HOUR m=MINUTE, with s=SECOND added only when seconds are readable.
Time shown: h=5 m=18
